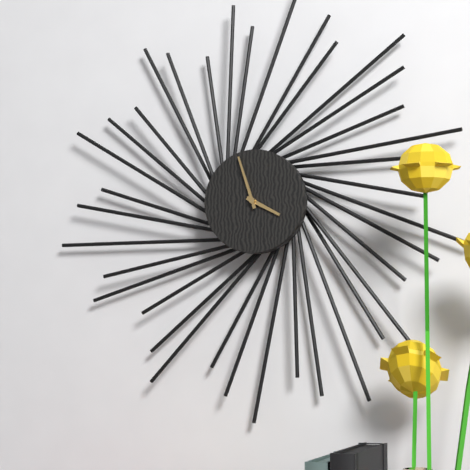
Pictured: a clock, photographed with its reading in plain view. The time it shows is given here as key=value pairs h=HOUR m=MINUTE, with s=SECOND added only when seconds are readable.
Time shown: h=3 m=57
